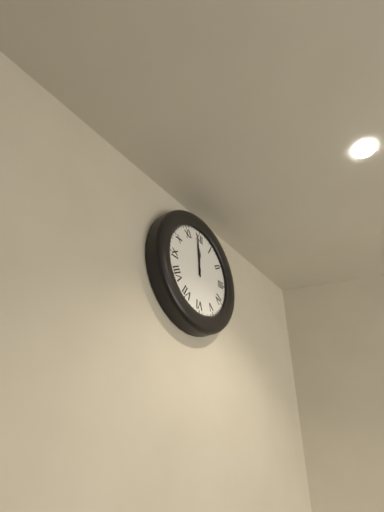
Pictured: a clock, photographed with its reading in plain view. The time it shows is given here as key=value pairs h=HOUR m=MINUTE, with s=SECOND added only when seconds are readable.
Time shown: h=11 m=59
